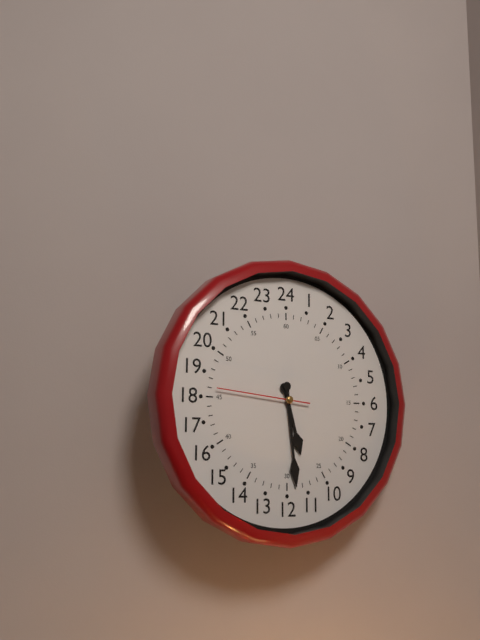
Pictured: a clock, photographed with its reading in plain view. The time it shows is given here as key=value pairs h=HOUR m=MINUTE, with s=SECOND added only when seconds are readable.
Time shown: h=5 m=29 s=46
